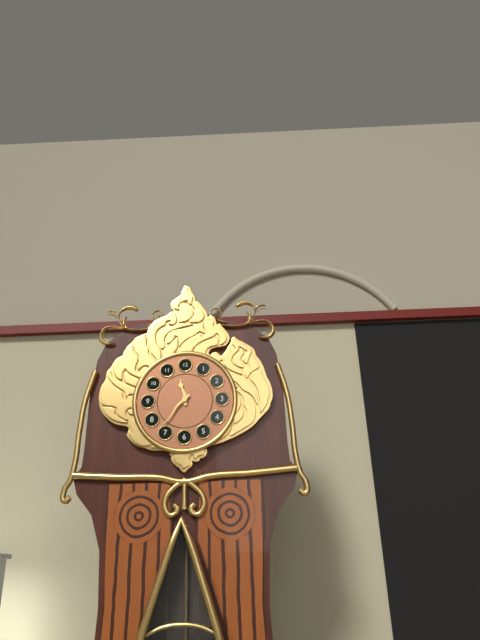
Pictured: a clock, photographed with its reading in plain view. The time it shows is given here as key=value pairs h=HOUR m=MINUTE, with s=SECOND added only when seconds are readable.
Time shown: h=11 m=37
